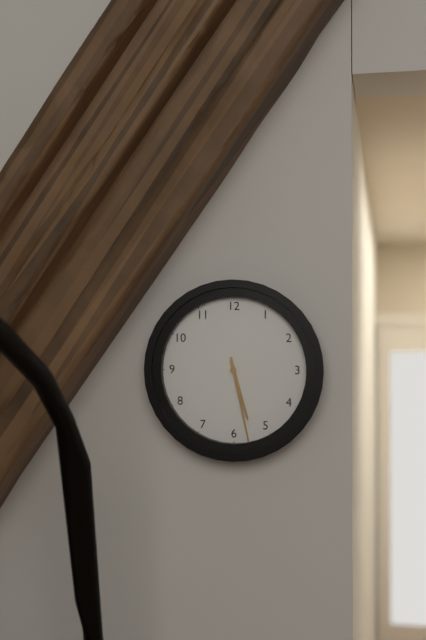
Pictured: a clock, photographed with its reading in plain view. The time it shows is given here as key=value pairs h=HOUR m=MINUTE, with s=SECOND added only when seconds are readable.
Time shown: h=5 m=28
